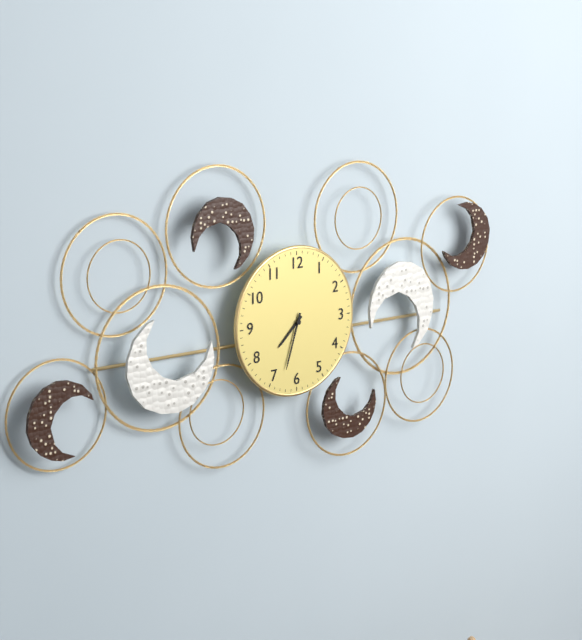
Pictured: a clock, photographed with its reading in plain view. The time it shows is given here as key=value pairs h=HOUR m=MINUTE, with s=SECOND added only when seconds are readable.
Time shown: h=7 m=33
